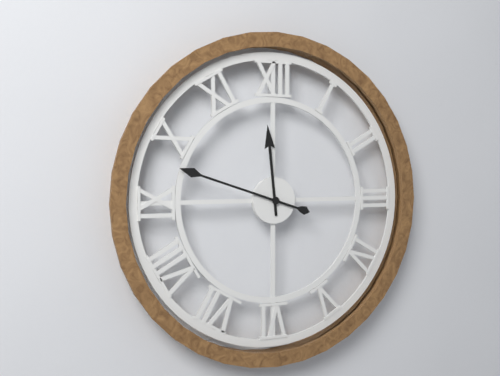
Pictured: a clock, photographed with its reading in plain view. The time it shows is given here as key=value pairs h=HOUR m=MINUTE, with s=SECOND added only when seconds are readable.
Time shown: h=11 m=48
